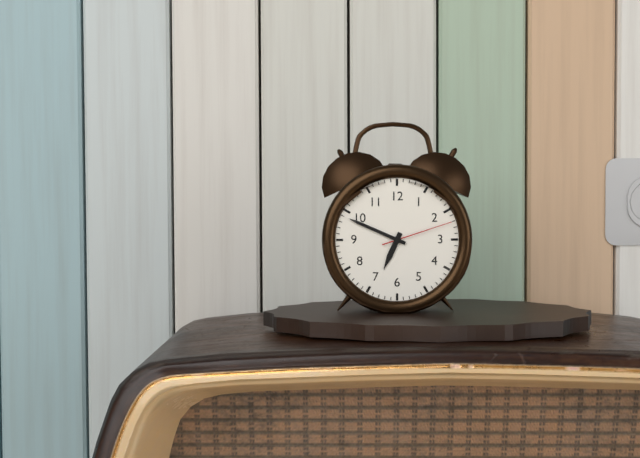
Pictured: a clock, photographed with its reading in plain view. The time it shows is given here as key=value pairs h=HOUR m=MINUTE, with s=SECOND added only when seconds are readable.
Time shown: h=6 m=49 s=12
